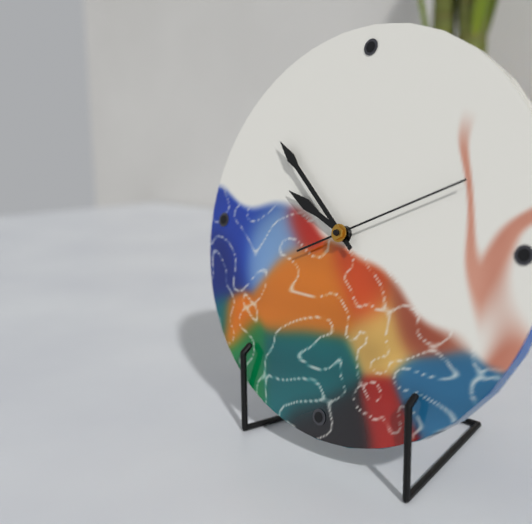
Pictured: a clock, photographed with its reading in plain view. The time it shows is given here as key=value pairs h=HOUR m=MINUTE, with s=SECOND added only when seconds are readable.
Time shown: h=9 m=52 s=11
